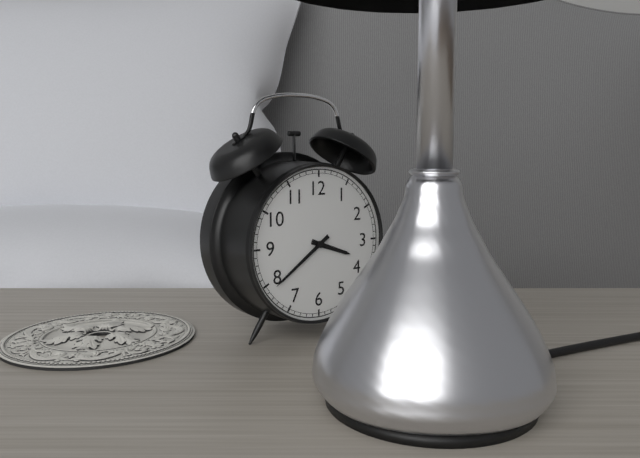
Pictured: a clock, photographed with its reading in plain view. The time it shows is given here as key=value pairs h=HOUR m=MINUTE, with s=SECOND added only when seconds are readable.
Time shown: h=3 m=39
